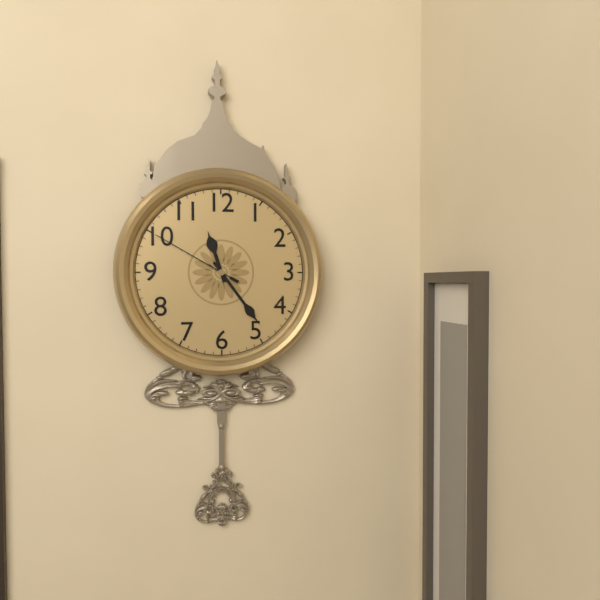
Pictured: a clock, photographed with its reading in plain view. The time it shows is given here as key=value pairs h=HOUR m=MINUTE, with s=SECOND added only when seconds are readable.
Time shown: h=11 m=24 s=50
